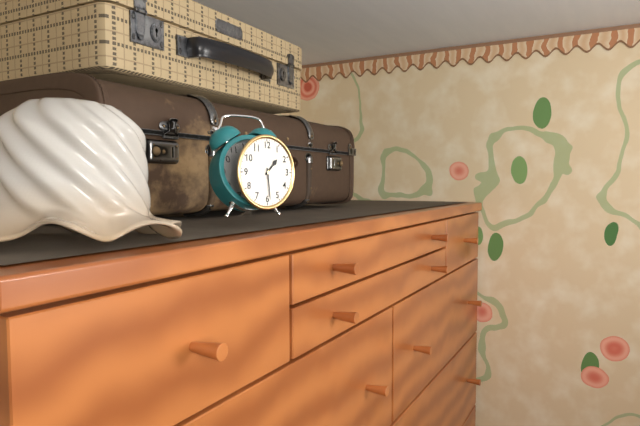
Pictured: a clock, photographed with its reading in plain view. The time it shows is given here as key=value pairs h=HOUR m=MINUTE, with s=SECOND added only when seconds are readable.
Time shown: h=1 m=29
